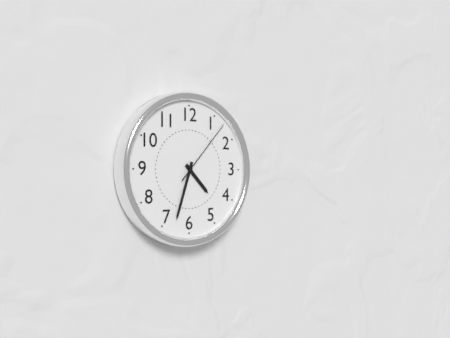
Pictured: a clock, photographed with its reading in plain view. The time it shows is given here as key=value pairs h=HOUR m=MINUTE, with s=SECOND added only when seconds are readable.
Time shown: h=4 m=33 s=7
